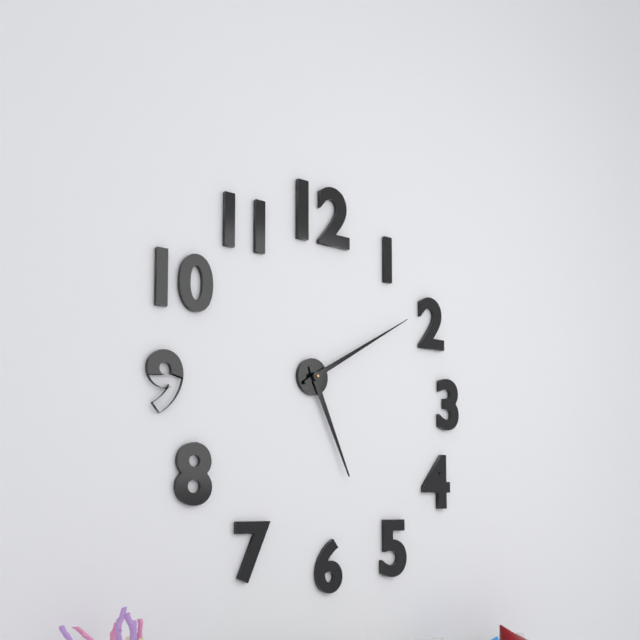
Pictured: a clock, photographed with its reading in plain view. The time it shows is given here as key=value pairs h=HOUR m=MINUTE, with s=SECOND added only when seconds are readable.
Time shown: h=5 m=10
